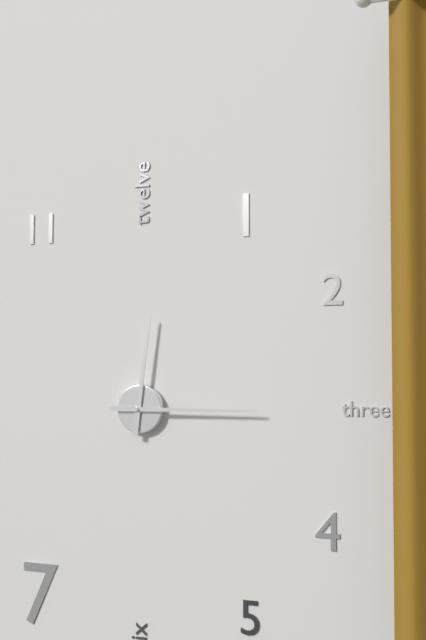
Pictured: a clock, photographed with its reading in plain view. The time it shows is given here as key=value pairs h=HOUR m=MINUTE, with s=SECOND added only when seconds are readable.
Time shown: h=12 m=15
